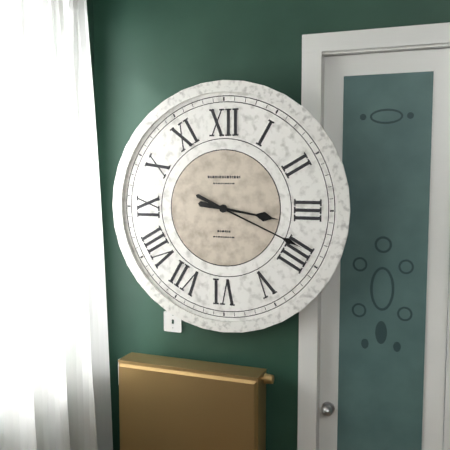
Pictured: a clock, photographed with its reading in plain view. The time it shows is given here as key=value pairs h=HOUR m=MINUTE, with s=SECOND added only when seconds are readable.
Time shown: h=3 m=19
